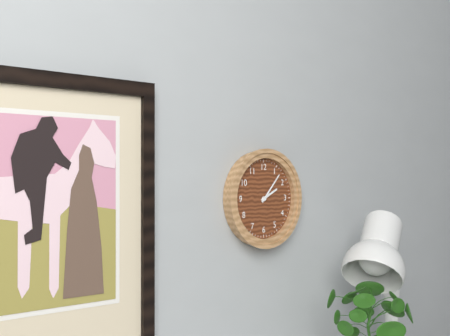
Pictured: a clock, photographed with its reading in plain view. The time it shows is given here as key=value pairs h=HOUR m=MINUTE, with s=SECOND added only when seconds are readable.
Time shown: h=2 m=7
